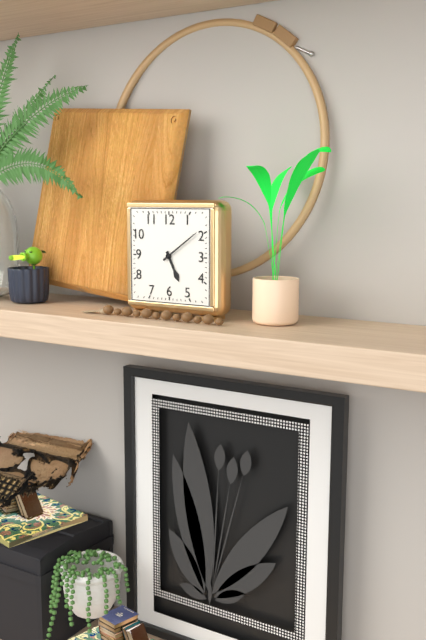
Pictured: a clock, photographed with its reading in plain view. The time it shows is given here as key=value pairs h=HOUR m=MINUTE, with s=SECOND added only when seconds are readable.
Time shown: h=5 m=9
